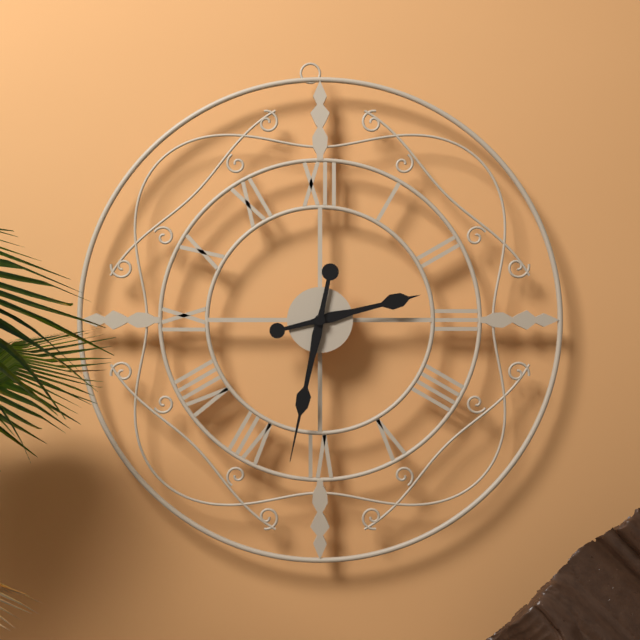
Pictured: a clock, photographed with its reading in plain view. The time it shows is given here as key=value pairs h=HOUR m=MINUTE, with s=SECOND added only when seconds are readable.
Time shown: h=2 m=32
